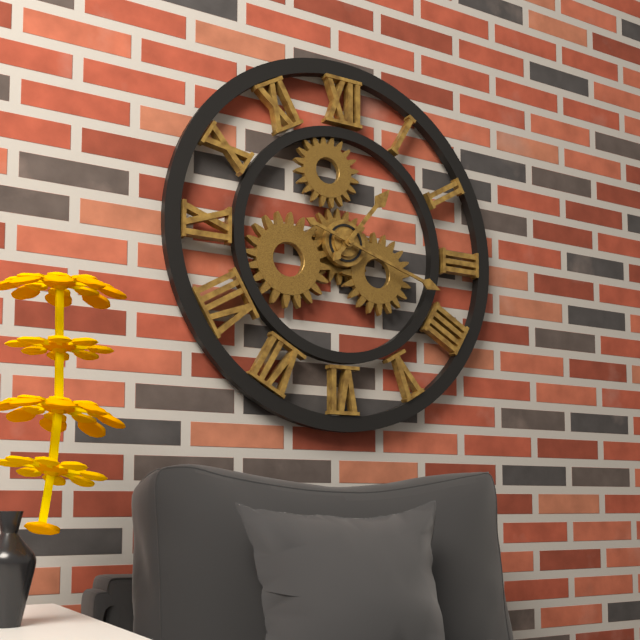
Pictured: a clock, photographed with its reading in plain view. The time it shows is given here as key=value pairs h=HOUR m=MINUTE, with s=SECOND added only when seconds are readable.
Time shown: h=1 m=18
